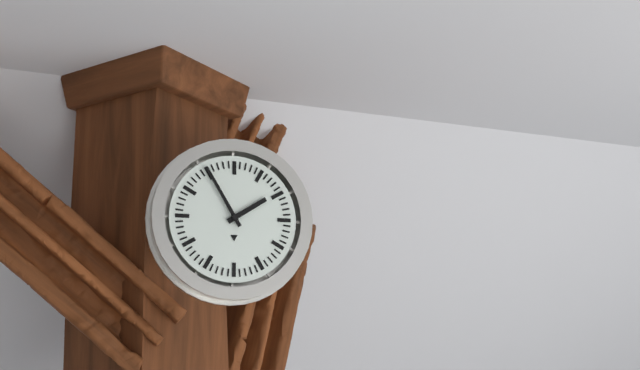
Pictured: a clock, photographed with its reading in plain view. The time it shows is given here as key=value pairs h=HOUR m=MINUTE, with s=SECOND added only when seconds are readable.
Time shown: h=1 m=55
